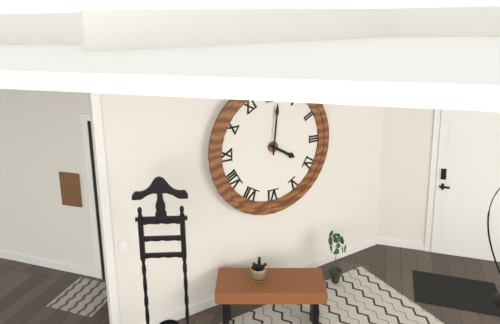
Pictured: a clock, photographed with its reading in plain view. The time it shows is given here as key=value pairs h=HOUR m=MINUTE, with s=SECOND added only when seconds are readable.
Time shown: h=4 m=1
